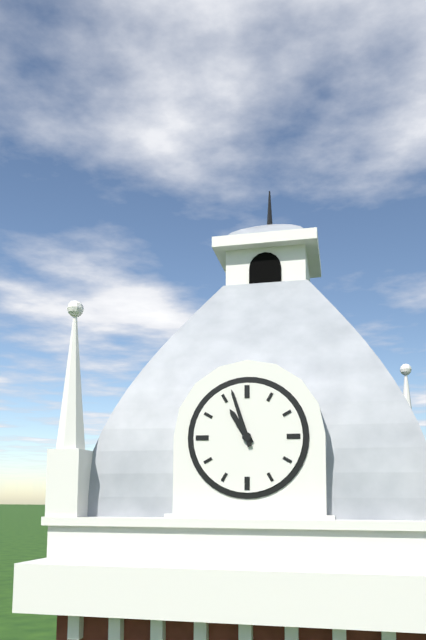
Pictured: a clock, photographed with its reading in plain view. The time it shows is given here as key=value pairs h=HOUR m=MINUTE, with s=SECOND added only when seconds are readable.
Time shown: h=10 m=57
